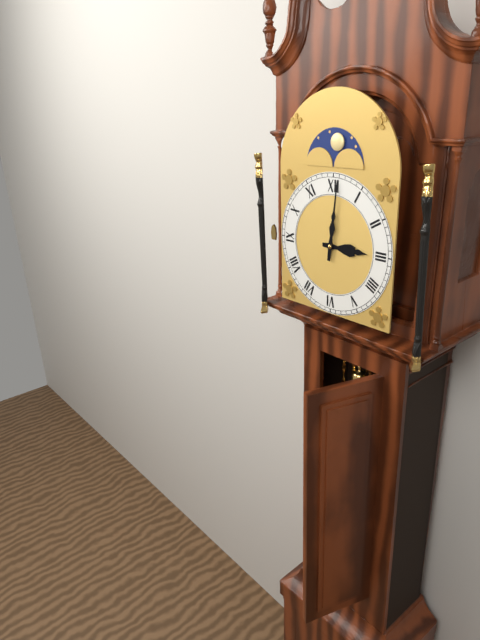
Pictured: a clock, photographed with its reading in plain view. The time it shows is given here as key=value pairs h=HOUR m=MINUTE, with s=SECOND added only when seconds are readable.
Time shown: h=3 m=1
